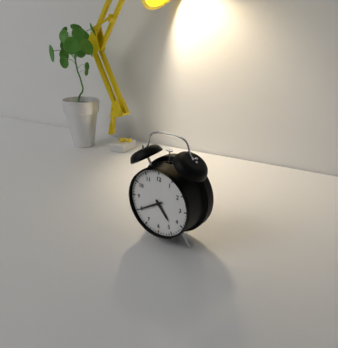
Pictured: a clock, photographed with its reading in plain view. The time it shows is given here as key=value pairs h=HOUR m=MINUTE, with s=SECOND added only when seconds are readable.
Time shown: h=4 m=40
